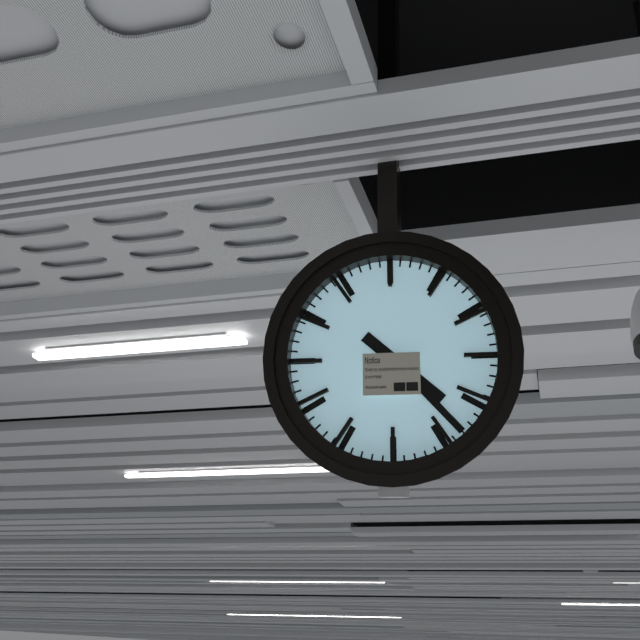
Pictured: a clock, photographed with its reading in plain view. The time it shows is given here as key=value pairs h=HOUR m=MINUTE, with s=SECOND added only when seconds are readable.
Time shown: h=4 m=23
